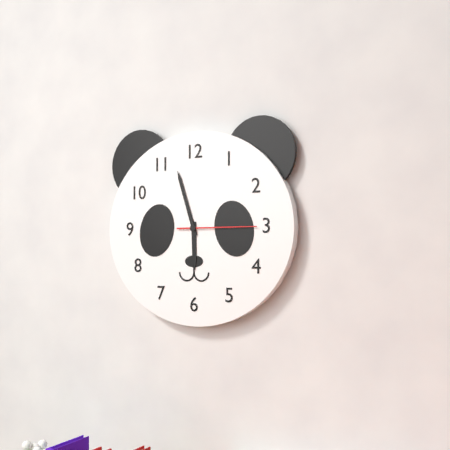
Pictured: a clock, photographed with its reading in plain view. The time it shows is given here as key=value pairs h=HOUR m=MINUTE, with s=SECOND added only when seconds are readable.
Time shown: h=5 m=57 s=15
